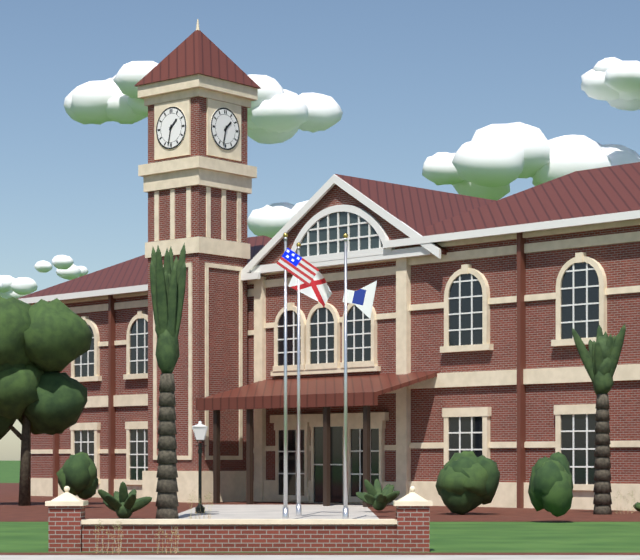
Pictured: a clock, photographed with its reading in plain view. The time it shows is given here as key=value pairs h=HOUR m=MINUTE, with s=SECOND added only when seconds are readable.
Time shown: h=1 m=32
